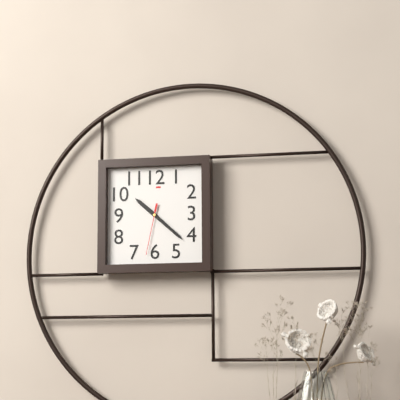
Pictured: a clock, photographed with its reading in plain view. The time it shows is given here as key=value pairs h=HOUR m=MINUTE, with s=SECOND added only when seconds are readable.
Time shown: h=10 m=22 s=32
